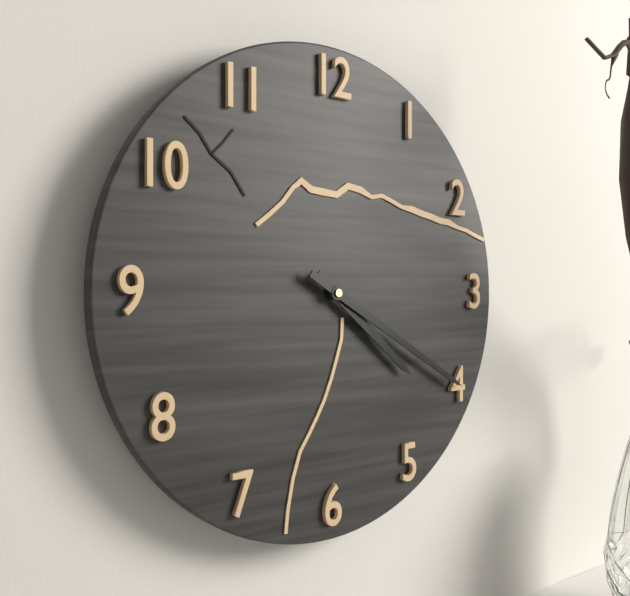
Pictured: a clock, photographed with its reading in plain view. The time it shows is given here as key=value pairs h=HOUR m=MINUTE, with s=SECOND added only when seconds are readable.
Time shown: h=4 m=20
